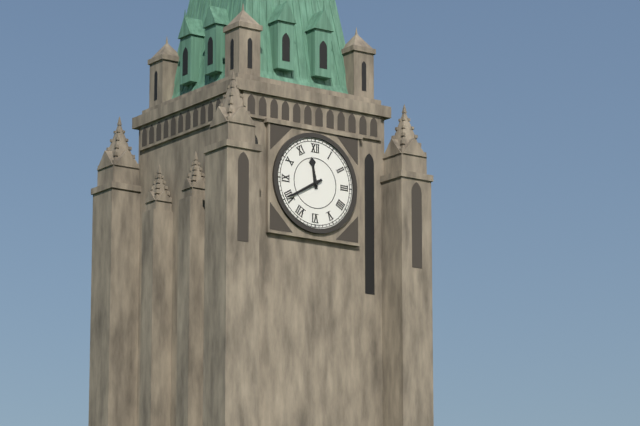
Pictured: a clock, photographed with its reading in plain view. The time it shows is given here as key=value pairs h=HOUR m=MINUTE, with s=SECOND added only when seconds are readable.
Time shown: h=11 m=40
